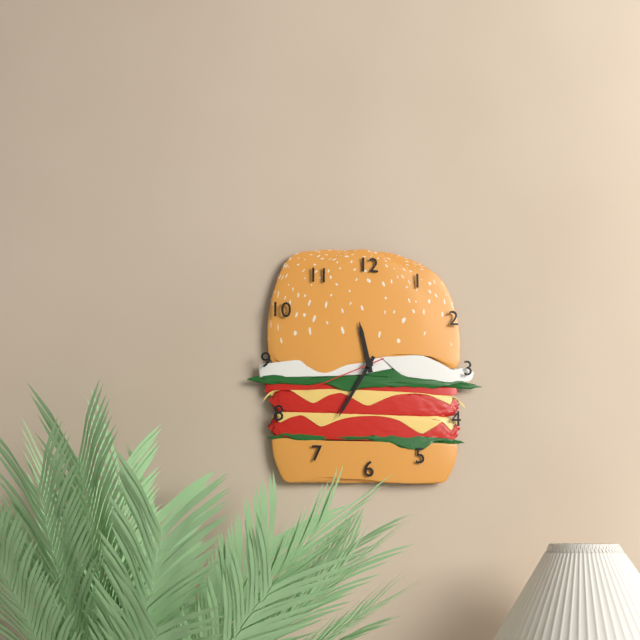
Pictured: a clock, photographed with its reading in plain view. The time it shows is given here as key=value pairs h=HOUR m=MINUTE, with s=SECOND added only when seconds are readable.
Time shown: h=11 m=35 s=41
